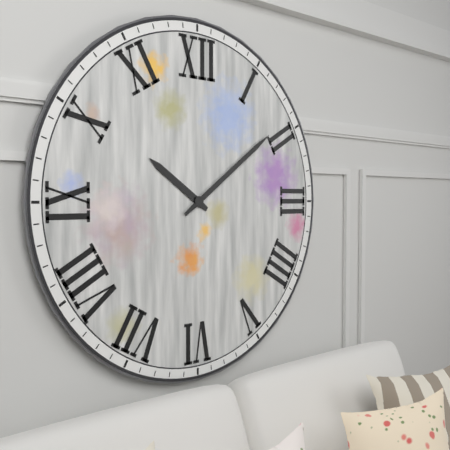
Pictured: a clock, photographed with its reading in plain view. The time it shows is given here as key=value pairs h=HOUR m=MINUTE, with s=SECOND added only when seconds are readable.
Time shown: h=10 m=9
